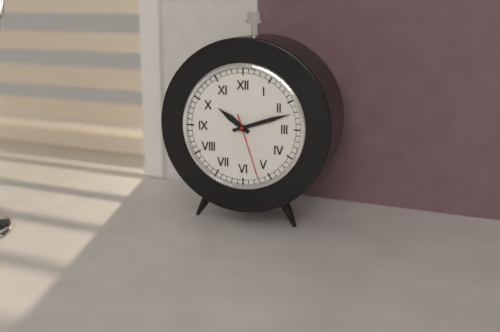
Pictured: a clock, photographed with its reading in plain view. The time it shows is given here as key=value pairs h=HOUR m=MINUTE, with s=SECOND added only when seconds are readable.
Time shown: h=10 m=12 s=27
